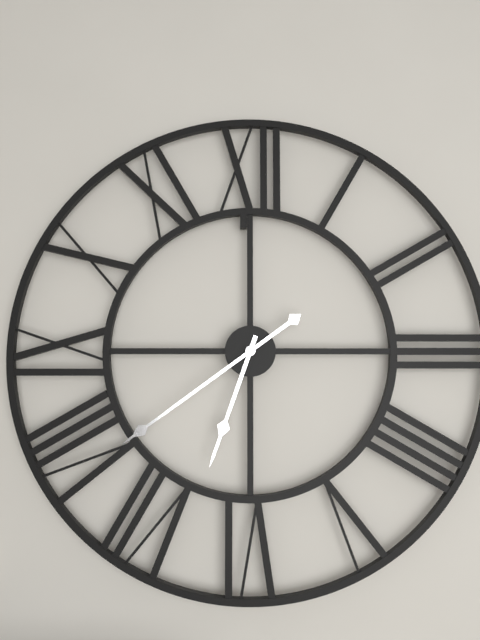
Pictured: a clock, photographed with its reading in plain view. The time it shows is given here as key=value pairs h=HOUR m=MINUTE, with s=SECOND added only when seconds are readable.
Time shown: h=6 m=39
